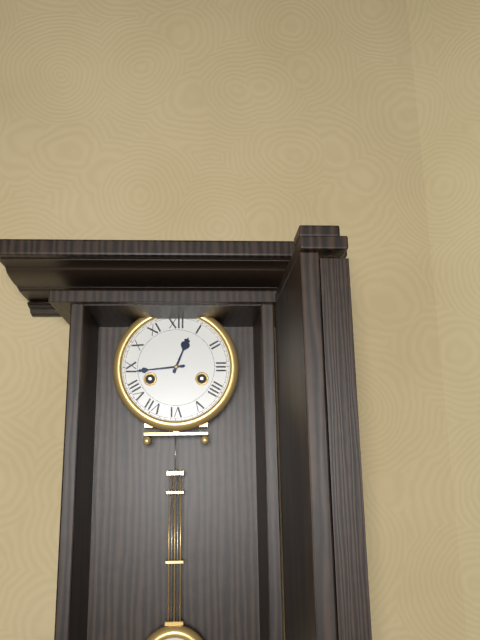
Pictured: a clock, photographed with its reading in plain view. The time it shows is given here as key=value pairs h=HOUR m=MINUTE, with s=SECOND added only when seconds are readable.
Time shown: h=12 m=44
